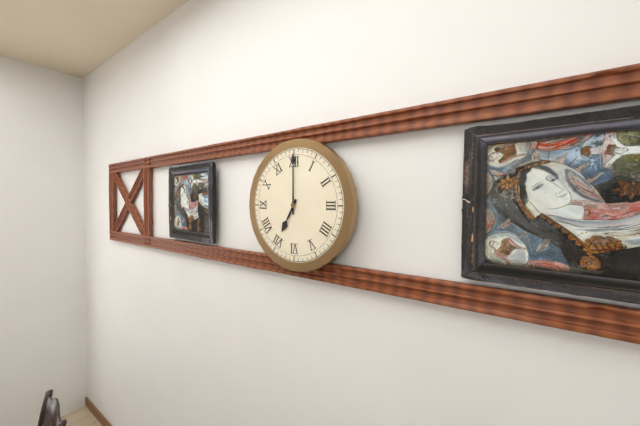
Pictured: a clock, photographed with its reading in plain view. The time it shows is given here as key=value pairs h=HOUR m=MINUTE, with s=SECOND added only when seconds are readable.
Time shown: h=7 m=0
